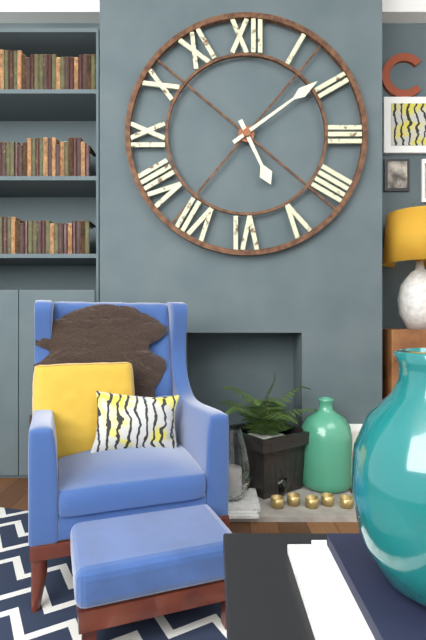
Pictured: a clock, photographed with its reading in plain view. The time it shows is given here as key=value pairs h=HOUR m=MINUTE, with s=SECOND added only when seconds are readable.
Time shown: h=5 m=9
